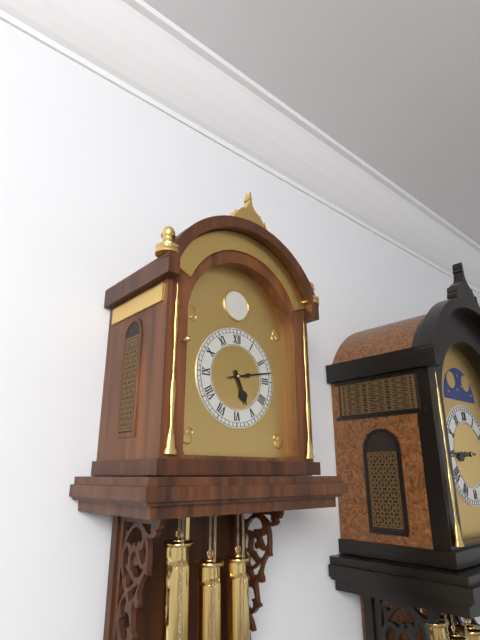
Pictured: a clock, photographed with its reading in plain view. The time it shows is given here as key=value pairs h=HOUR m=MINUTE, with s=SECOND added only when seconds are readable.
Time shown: h=5 m=13
